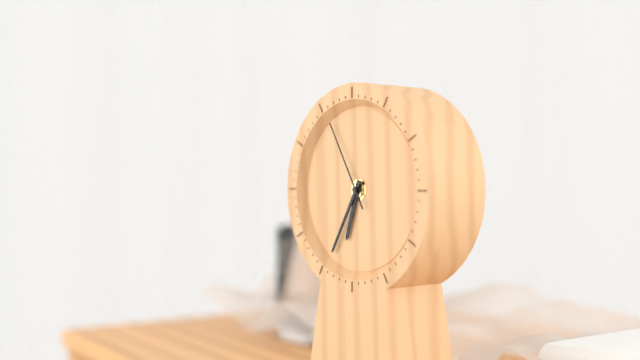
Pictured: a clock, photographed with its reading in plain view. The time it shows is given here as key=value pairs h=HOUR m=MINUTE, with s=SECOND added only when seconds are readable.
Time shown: h=6 m=35 s=55
